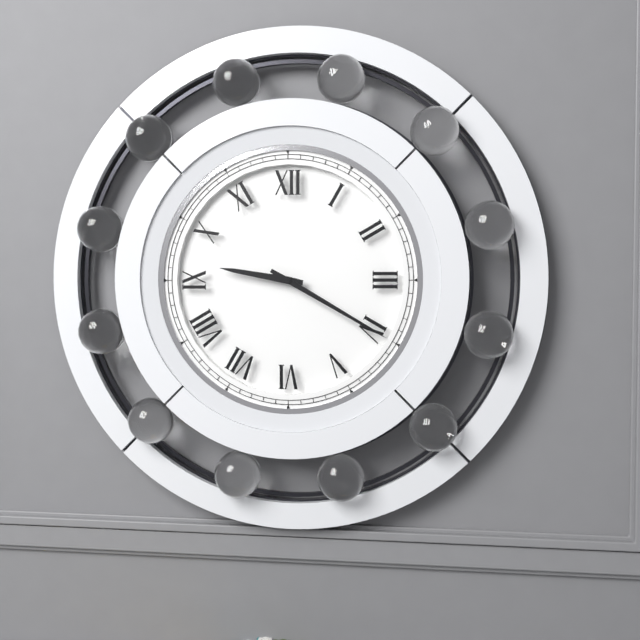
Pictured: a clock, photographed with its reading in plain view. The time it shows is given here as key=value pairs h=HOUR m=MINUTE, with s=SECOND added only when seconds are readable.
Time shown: h=9 m=20
